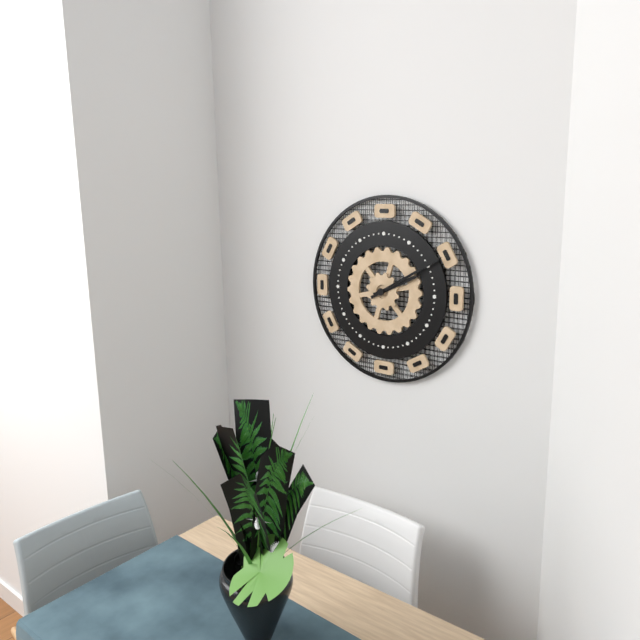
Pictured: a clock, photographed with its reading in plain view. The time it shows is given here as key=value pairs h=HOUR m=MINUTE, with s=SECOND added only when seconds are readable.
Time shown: h=2 m=10
